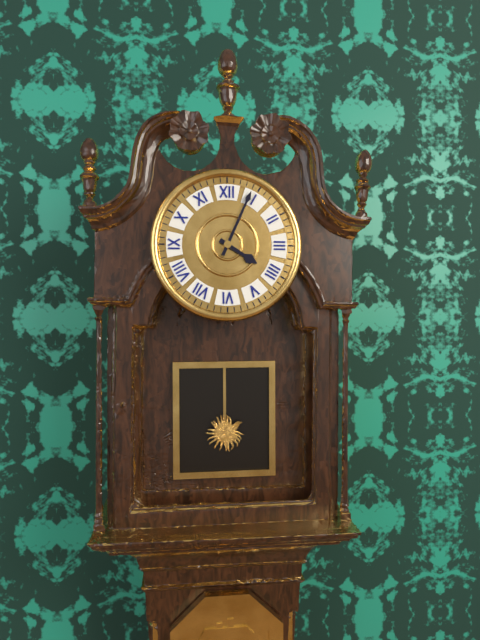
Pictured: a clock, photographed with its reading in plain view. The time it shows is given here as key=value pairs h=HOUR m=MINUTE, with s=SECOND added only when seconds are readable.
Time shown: h=4 m=4
